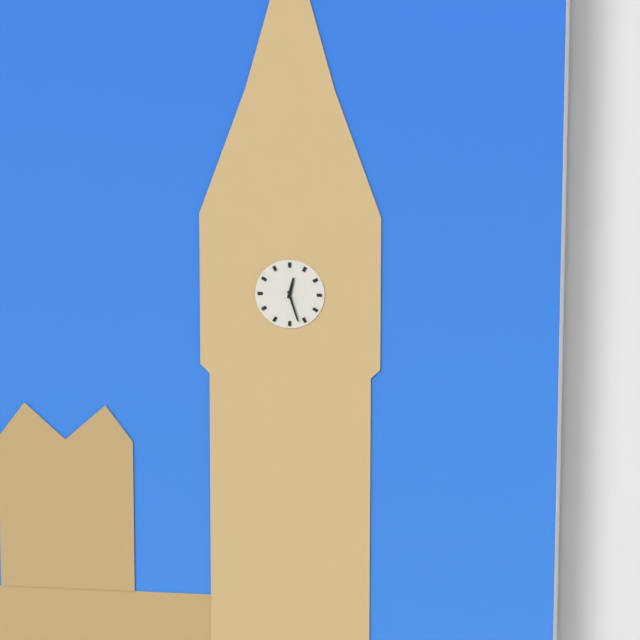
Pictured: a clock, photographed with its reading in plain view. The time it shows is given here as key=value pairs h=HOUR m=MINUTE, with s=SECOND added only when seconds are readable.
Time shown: h=12 m=27
